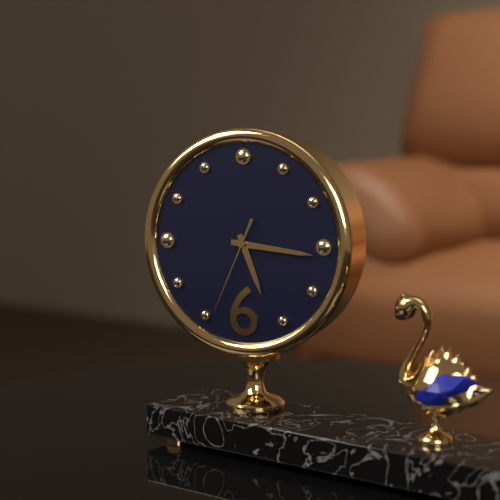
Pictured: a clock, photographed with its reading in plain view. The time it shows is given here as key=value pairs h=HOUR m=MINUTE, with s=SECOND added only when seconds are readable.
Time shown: h=5 m=16 s=34
